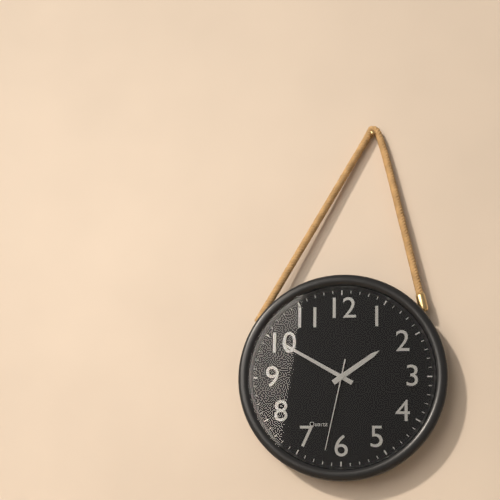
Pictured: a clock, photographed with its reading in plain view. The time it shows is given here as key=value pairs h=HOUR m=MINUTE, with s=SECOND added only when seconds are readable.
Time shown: h=1 m=50 s=32
